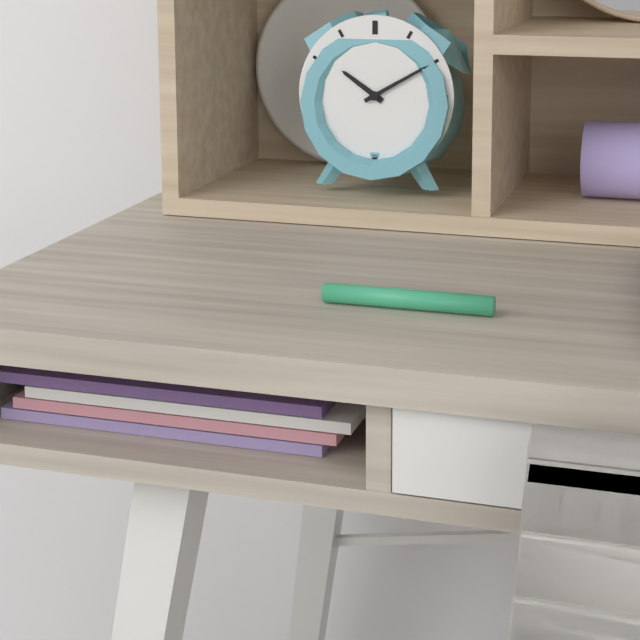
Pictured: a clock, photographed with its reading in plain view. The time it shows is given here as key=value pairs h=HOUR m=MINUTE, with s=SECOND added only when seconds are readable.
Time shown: h=10 m=10
